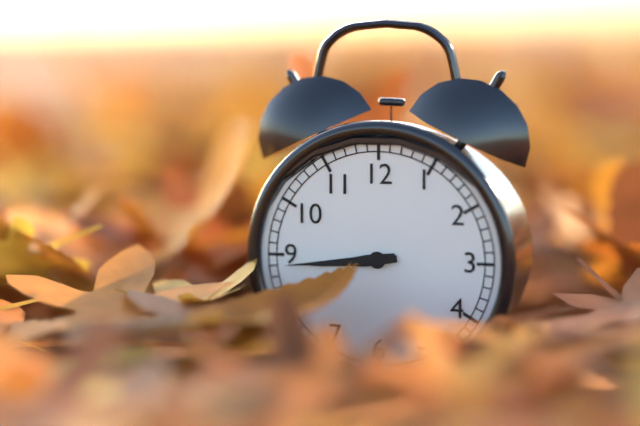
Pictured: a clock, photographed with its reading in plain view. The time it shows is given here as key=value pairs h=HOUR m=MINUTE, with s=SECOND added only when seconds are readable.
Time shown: h=8 m=44
